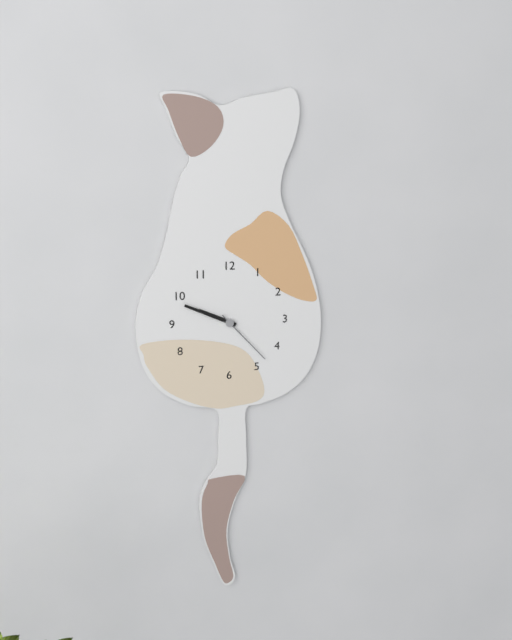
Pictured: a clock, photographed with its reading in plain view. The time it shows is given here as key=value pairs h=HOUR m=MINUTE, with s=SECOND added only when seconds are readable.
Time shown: h=9 m=49 s=23
